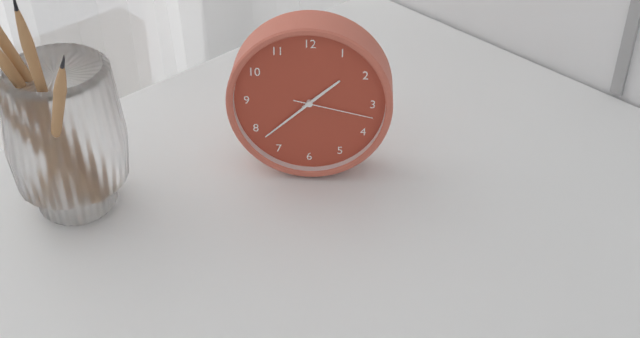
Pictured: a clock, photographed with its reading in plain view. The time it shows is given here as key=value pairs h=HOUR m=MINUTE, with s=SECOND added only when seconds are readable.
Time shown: h=1 m=38 s=17
